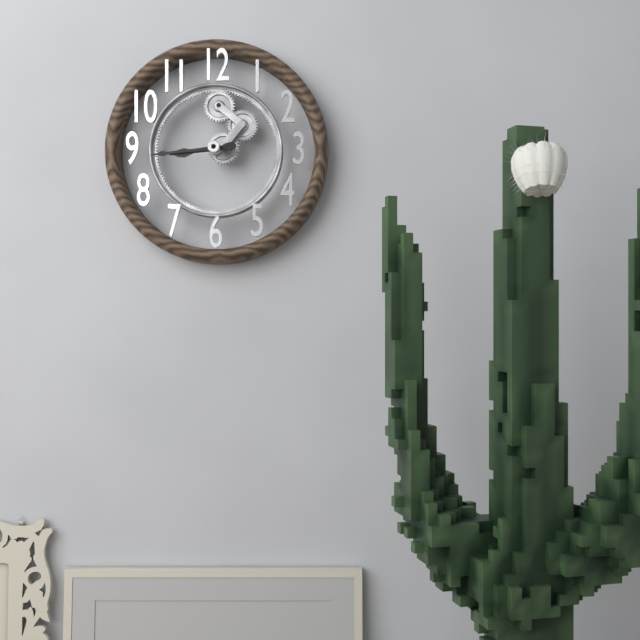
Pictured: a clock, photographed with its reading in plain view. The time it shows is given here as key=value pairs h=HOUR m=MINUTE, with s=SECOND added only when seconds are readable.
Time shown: h=8 m=44
